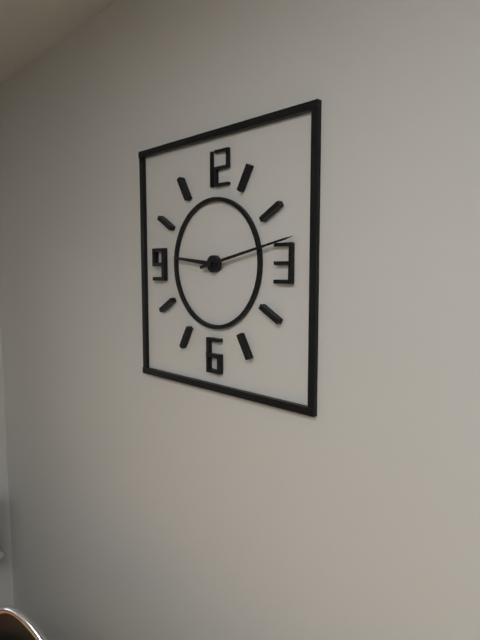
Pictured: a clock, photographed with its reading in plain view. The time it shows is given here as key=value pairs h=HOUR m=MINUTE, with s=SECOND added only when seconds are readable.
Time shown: h=9 m=13
